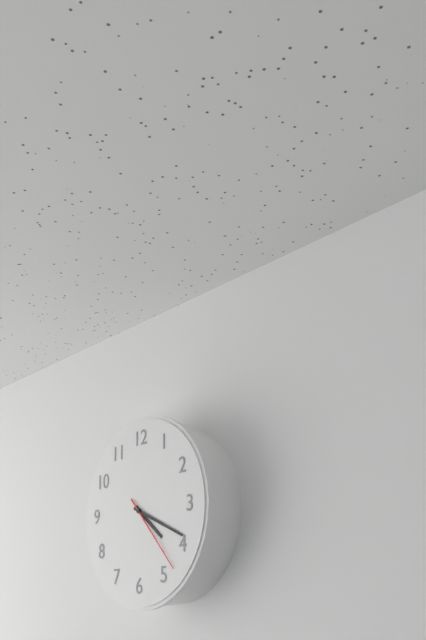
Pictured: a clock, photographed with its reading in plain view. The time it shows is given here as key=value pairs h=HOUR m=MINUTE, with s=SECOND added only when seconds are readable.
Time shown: h=4 m=19 s=23
